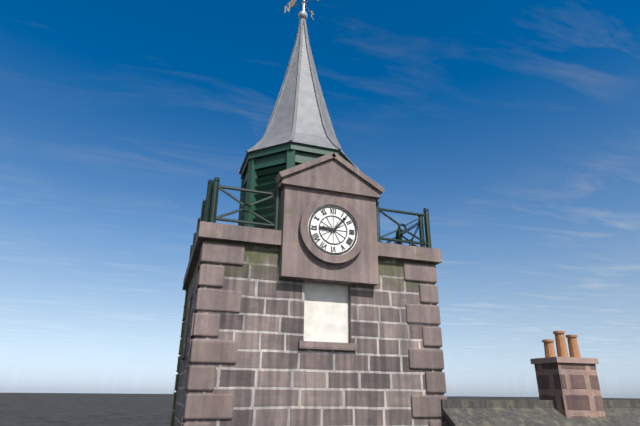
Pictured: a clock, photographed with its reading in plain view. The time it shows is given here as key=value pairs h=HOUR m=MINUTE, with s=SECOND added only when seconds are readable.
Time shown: h=9 m=7
